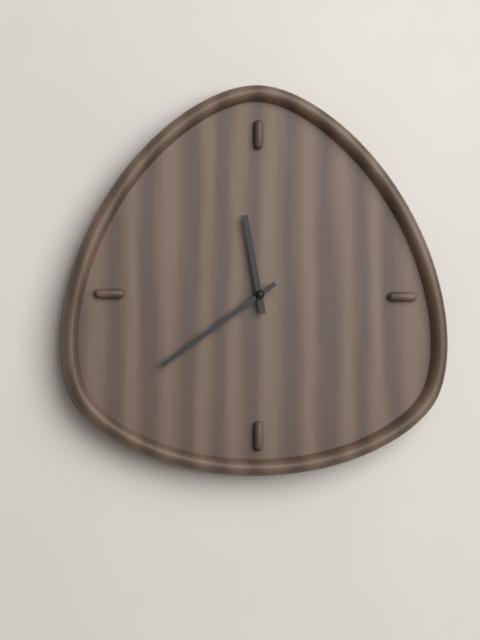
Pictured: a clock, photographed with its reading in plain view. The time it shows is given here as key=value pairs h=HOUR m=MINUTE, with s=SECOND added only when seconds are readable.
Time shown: h=11 m=39
